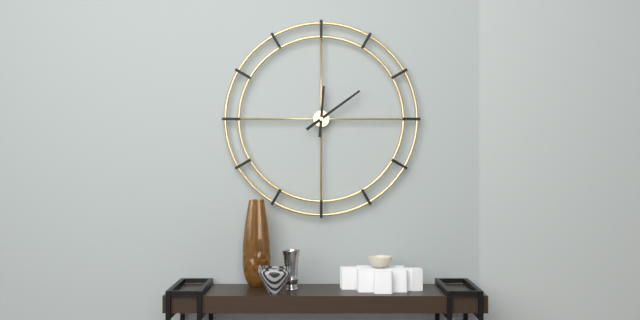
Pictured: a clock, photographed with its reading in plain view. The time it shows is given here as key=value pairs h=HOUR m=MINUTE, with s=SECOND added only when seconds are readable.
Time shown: h=12 m=9
